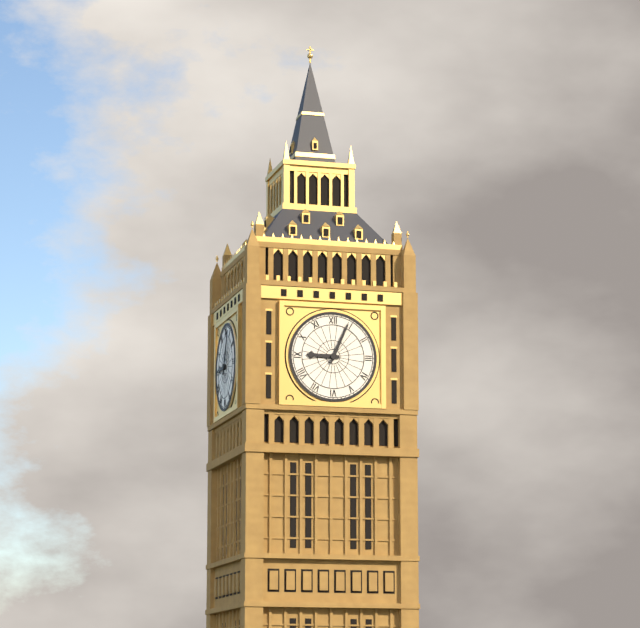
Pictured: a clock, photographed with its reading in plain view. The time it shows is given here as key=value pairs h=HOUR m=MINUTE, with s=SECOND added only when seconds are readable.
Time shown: h=9 m=4
